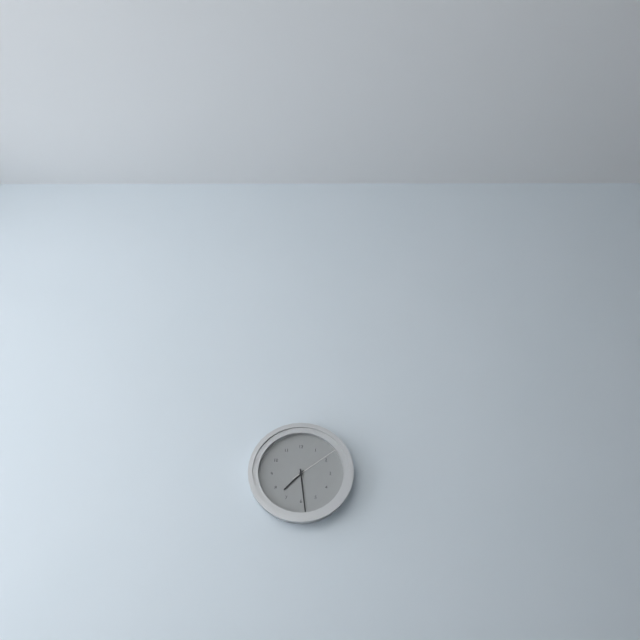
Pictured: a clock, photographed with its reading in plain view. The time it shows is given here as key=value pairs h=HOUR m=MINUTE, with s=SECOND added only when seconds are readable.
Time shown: h=7 m=29 s=9
